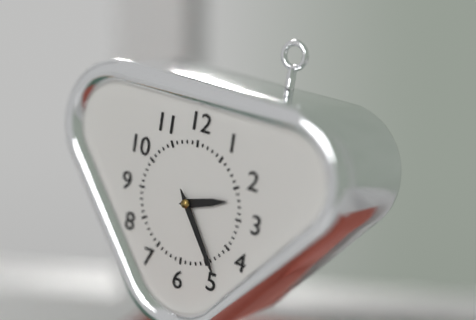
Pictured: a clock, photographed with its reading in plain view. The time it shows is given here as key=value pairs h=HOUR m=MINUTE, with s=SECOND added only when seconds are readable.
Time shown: h=2 m=24
